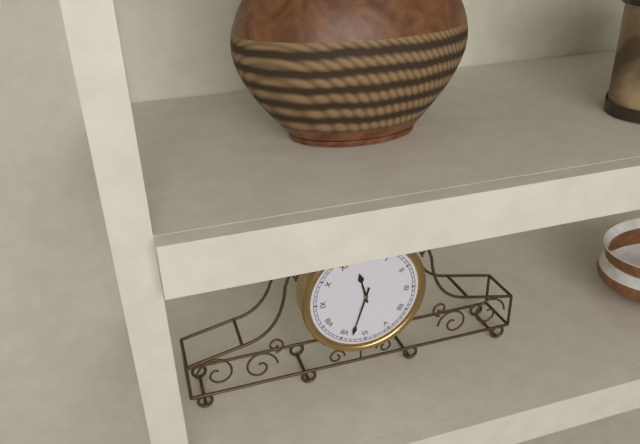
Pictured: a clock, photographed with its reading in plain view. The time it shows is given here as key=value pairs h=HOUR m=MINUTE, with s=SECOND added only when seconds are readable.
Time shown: h=11 m=33
